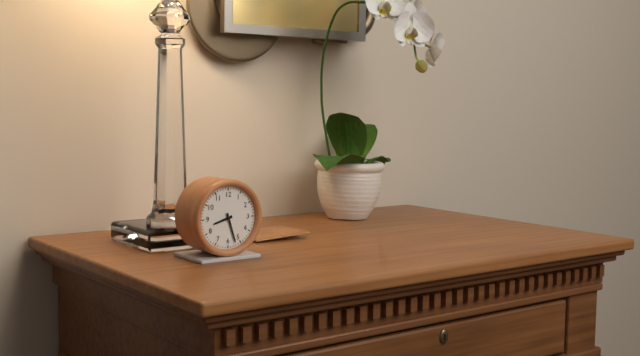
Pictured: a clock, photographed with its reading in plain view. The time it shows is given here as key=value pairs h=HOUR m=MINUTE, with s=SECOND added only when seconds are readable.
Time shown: h=8 m=27
